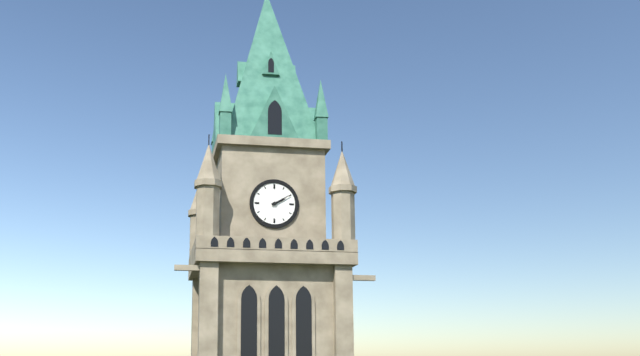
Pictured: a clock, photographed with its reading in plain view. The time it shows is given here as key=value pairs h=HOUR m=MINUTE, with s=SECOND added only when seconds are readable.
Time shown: h=2 m=10
